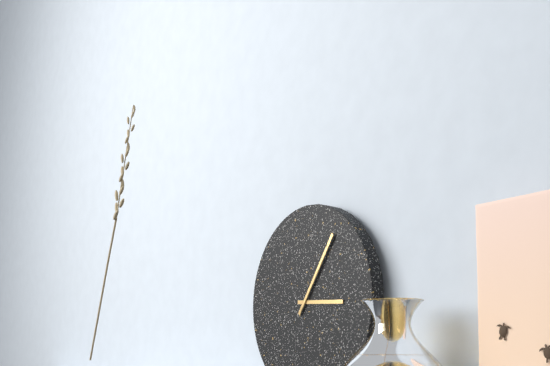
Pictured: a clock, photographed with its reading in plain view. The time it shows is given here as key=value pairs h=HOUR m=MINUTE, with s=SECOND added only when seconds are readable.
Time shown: h=3 m=6
